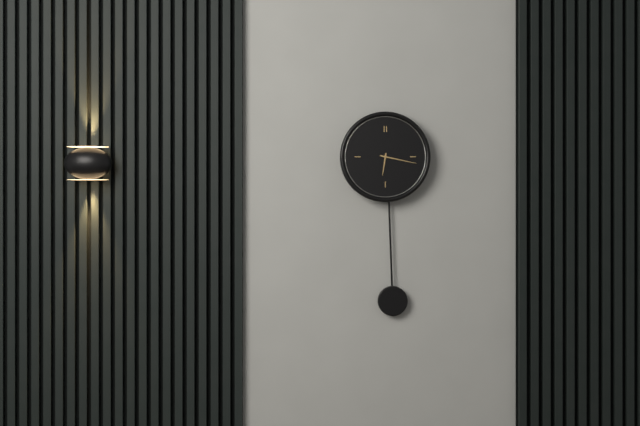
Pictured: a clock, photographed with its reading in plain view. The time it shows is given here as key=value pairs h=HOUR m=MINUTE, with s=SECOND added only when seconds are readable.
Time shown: h=6 m=17
